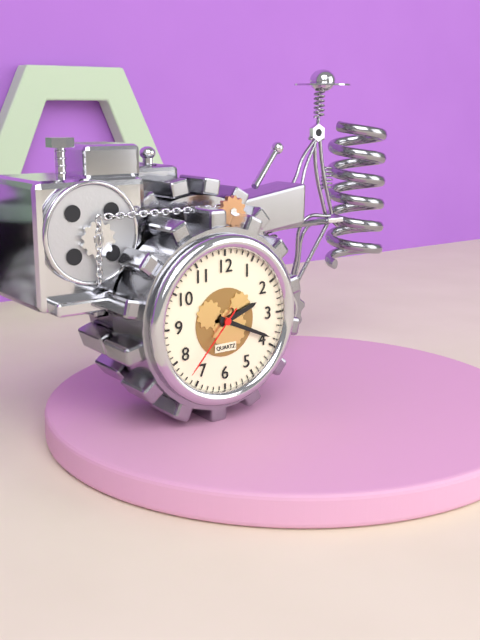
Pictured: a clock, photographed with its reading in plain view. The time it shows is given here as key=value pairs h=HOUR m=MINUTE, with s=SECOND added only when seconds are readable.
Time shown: h=2 m=19 s=37
